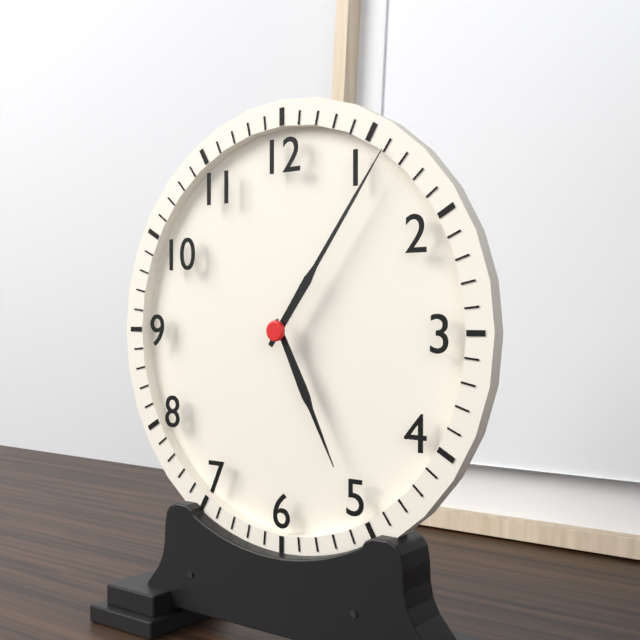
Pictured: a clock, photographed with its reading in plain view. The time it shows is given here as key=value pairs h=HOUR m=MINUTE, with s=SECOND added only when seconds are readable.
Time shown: h=5 m=6
